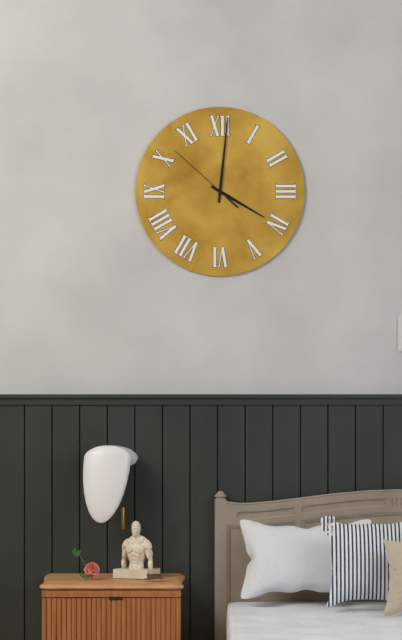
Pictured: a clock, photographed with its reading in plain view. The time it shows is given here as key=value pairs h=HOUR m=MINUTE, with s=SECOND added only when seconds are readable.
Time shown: h=4 m=1 s=52
